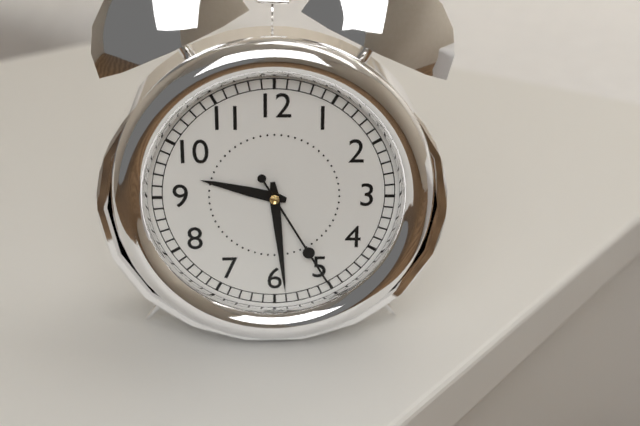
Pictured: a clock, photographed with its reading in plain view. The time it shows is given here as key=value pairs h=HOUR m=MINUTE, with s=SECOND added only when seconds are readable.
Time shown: h=9 m=29 s=25
